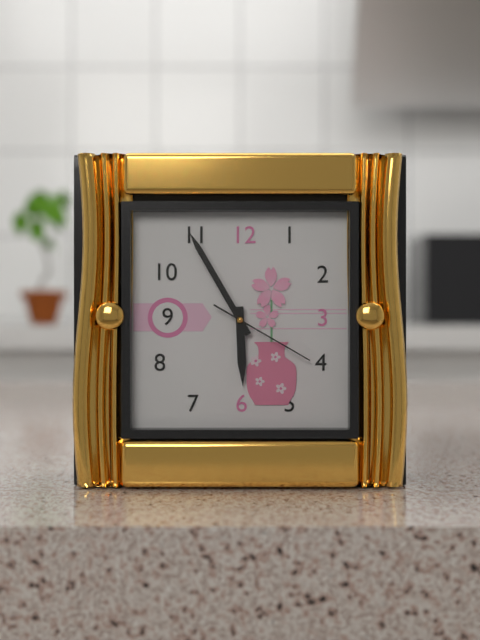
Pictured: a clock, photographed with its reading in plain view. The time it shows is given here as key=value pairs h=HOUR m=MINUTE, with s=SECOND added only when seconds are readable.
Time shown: h=5 m=55 s=20
